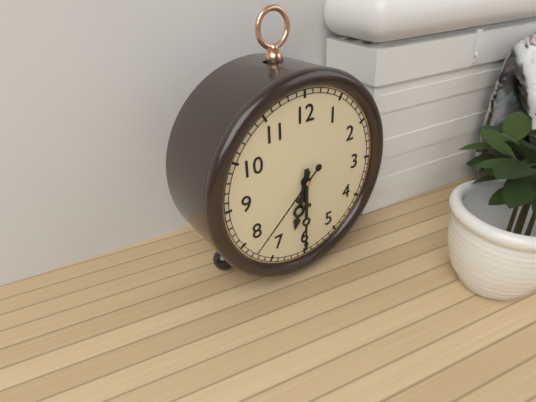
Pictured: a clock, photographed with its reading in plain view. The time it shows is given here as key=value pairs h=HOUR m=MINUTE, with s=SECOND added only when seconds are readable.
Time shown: h=6 m=30 s=38
